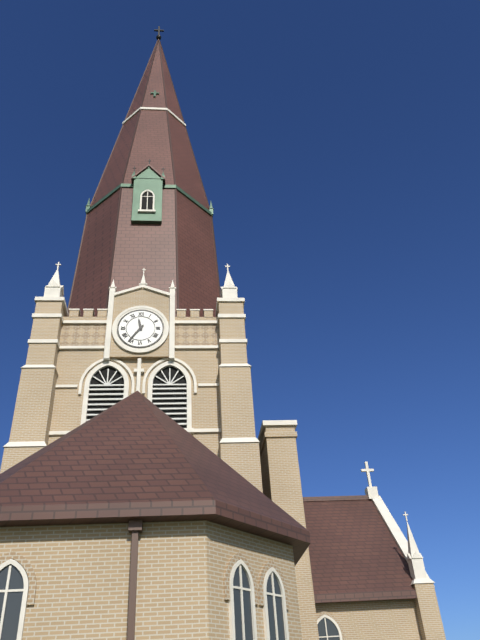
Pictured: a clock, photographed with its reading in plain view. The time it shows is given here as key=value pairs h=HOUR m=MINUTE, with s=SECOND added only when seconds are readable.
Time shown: h=11 m=36
